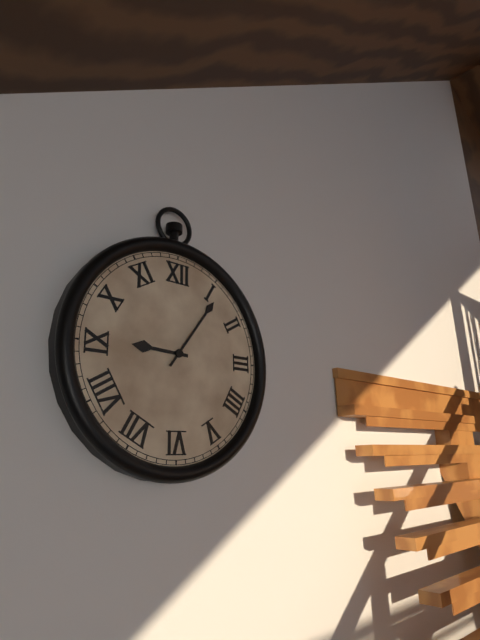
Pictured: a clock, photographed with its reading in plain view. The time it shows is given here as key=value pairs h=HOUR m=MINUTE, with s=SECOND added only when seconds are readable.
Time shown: h=9 m=6
